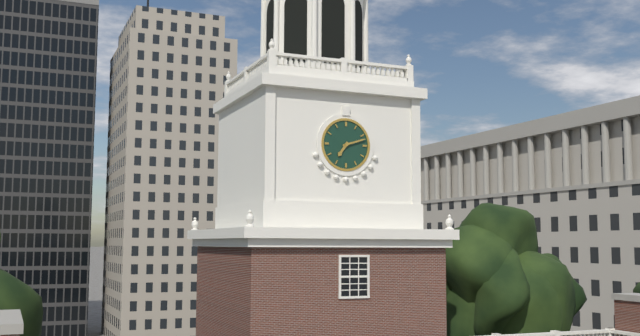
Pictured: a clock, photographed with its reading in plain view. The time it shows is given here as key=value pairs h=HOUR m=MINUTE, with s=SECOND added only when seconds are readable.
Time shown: h=7 m=12
